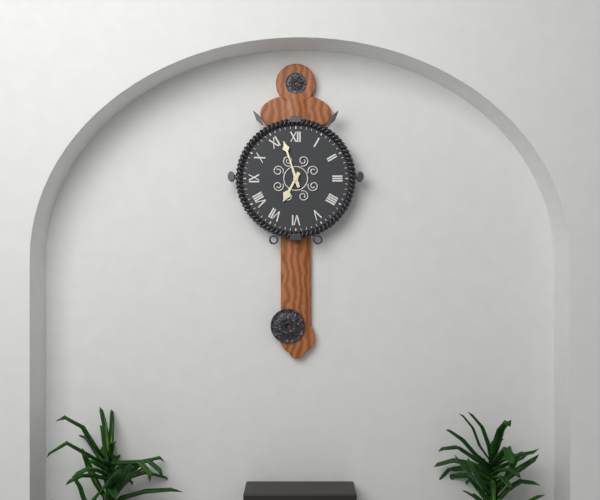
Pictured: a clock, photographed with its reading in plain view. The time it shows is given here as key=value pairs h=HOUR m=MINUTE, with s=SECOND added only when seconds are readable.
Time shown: h=6 m=57
